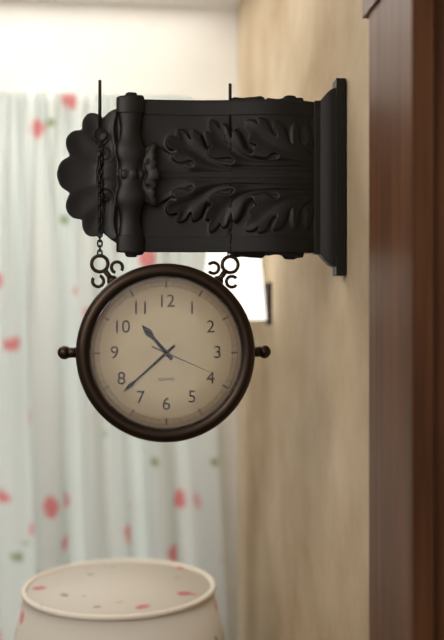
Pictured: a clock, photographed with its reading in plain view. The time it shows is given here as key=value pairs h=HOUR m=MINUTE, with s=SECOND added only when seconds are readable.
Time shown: h=10 m=38 s=19
